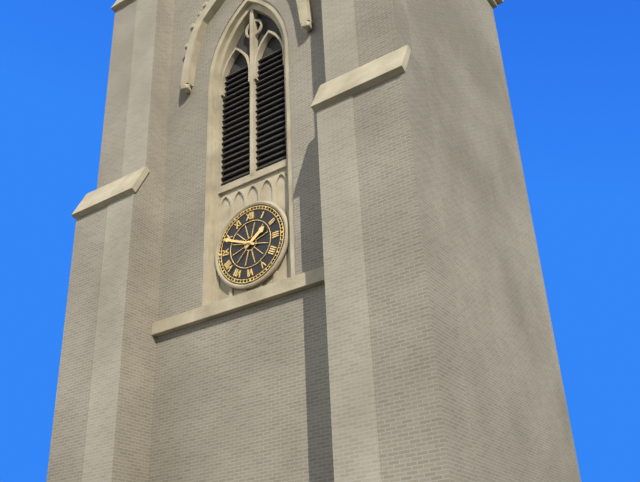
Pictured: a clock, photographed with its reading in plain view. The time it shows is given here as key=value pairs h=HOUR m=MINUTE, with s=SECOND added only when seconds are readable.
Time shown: h=1 m=49
